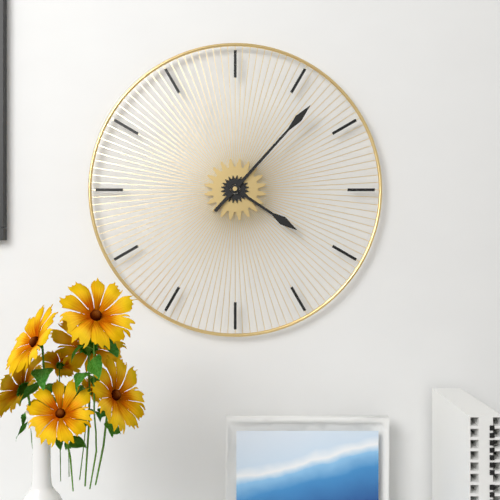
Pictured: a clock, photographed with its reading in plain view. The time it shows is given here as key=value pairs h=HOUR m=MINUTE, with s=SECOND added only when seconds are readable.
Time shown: h=4 m=7
